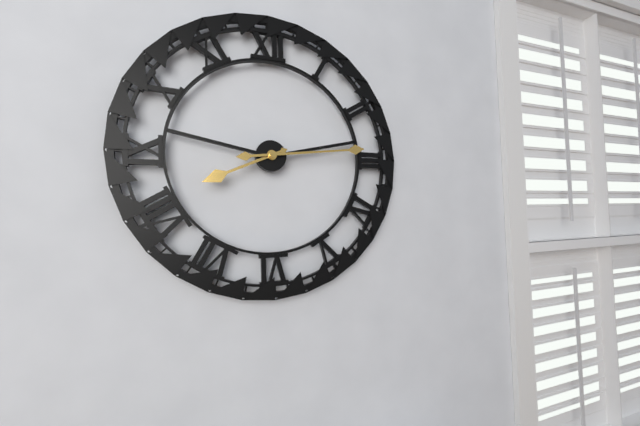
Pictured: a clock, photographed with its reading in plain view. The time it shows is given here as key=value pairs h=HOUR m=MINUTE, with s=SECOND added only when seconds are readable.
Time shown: h=8 m=14
